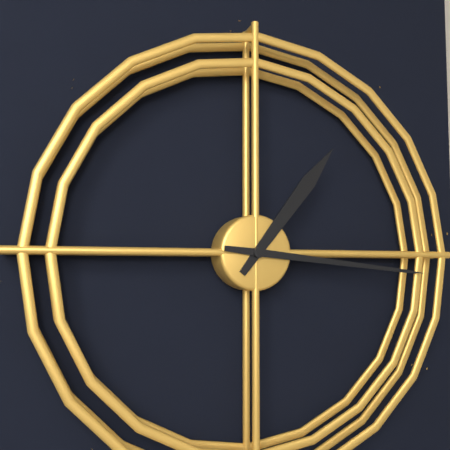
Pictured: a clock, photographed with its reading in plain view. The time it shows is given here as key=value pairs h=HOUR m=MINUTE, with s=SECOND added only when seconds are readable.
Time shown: h=1 m=16
